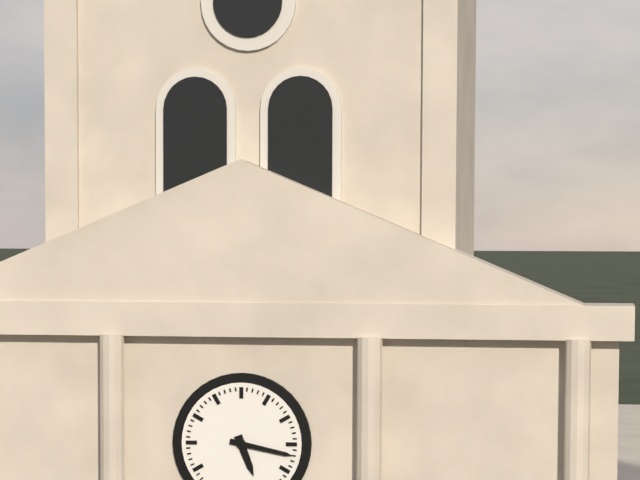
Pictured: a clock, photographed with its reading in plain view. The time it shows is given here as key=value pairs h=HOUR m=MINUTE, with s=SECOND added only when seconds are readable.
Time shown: h=5 m=17
